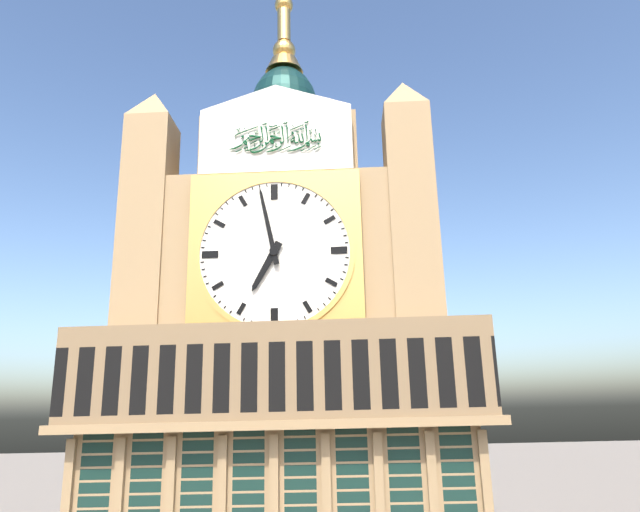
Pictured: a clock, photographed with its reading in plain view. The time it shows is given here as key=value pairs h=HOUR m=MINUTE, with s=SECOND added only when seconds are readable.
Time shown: h=6 m=58
